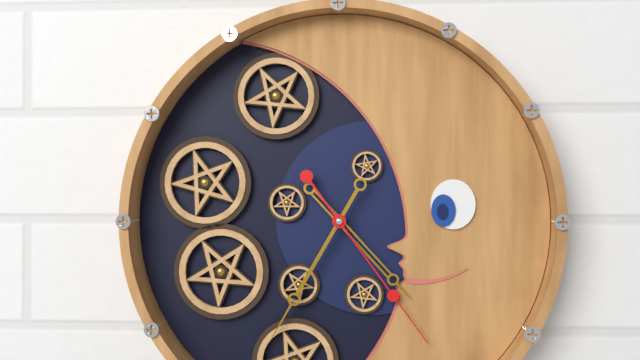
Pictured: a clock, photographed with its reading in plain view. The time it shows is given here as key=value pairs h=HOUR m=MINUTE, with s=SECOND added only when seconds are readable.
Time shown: h=4 m=35 s=24
